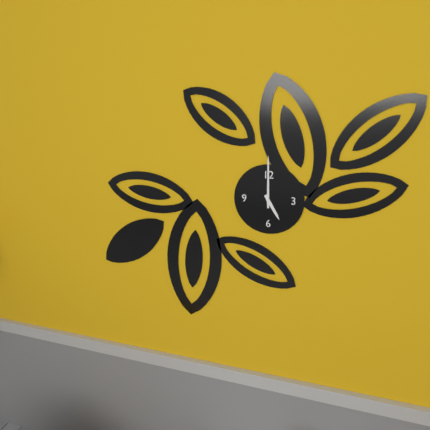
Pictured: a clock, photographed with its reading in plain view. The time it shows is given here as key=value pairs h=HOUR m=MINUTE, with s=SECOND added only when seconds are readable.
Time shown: h=5 m=0
